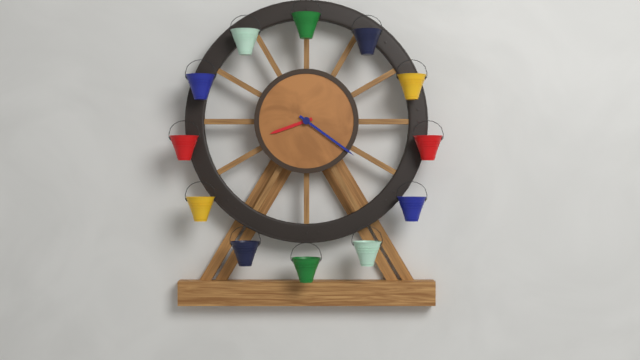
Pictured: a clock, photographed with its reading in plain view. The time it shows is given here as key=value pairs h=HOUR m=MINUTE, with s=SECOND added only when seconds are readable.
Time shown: h=8 m=21
